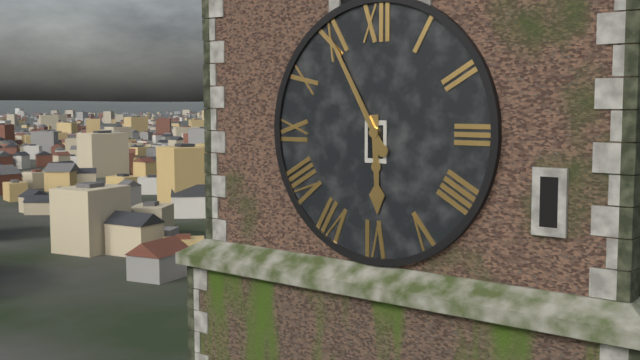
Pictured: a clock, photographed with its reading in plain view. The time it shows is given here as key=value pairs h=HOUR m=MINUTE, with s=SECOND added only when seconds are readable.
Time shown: h=5 m=55
